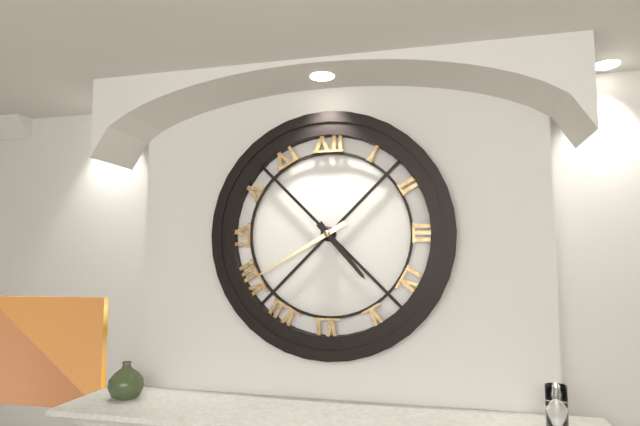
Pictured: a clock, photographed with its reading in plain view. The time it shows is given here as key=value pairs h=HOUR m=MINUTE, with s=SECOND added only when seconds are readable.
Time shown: h=4 m=40
